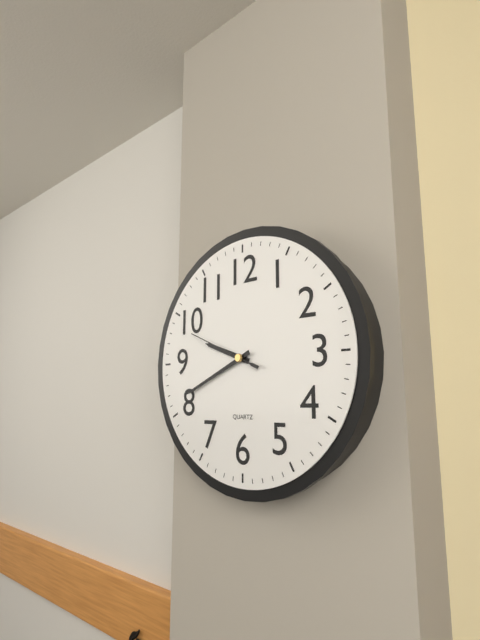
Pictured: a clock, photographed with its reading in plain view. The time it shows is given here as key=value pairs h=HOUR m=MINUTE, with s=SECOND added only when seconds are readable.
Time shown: h=9 m=41 s=49
